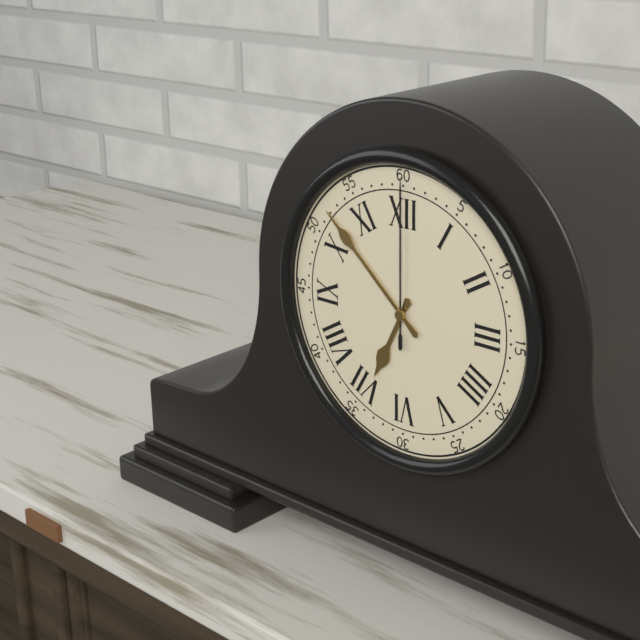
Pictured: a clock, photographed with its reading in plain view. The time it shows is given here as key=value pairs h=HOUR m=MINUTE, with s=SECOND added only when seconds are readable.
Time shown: h=6 m=52 s=0
